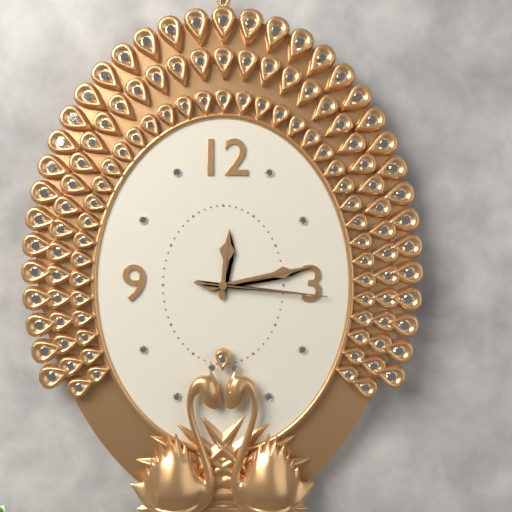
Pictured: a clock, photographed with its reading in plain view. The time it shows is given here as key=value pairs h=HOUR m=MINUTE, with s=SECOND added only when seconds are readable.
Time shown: h=12 m=13 s=16
